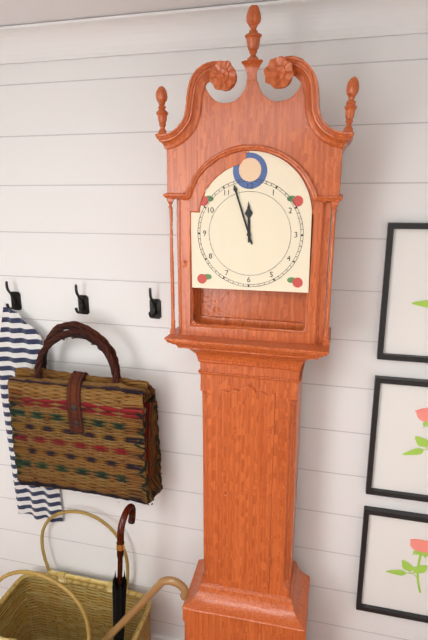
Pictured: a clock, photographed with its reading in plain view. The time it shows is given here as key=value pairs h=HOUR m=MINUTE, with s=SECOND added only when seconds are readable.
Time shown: h=11 m=57
